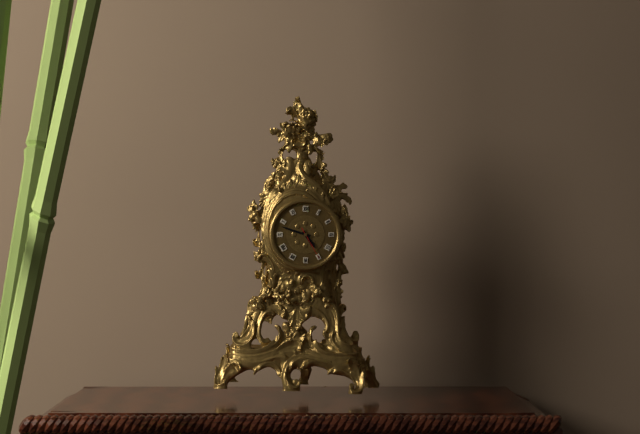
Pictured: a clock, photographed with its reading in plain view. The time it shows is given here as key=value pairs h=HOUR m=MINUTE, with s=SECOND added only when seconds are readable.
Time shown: h=4 m=48
